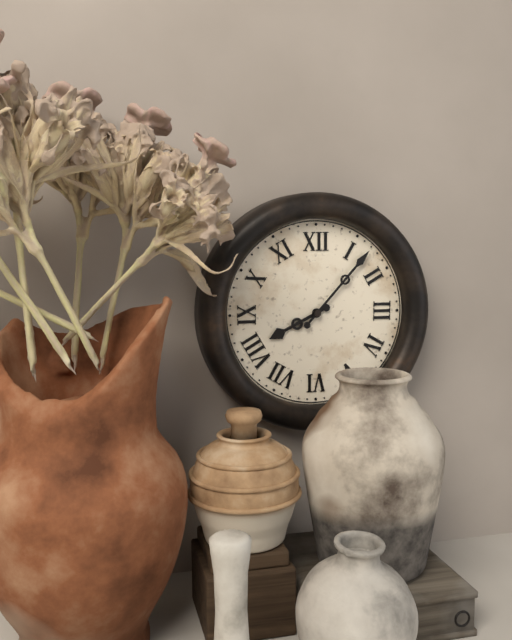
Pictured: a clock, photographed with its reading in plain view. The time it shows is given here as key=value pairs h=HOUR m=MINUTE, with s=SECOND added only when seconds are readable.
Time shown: h=8 m=7
